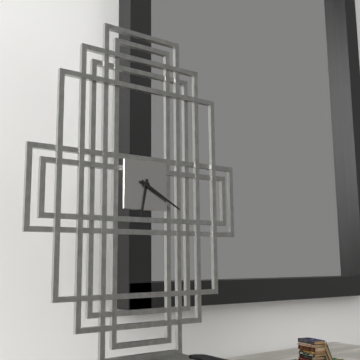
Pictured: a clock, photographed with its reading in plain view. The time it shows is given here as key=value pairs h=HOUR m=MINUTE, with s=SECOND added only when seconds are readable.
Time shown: h=6 m=20
